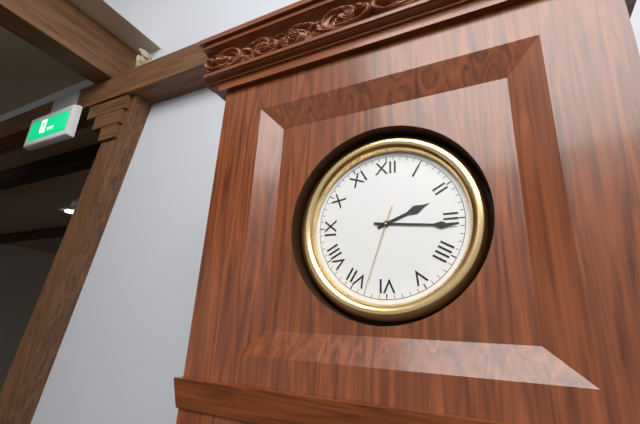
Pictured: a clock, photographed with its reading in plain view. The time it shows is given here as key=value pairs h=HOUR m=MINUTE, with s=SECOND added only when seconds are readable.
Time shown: h=2 m=16 s=33
